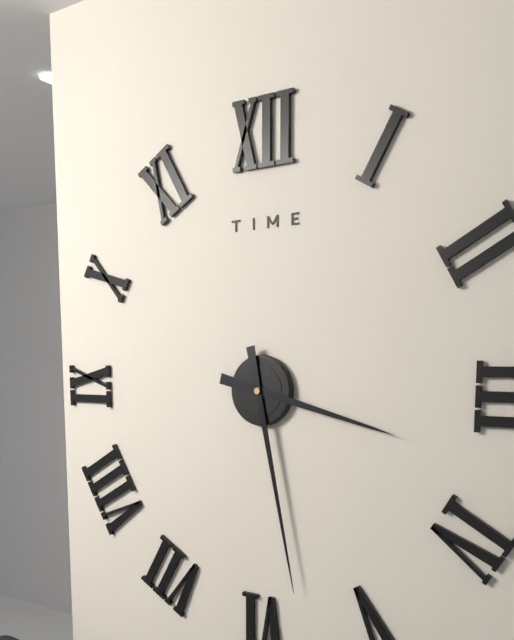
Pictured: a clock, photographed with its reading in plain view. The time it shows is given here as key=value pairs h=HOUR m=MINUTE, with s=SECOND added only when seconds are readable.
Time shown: h=3 m=28
